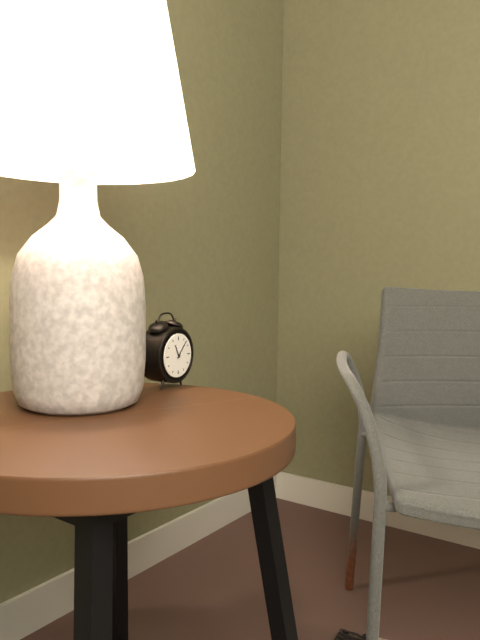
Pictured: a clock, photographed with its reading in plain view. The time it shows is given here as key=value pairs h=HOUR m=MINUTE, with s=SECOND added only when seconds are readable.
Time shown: h=11 m=7
